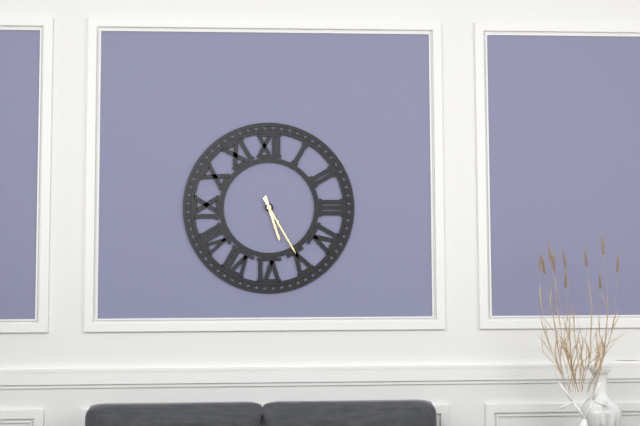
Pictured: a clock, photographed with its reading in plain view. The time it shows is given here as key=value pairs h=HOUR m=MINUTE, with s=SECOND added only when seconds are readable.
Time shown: h=5 m=25
